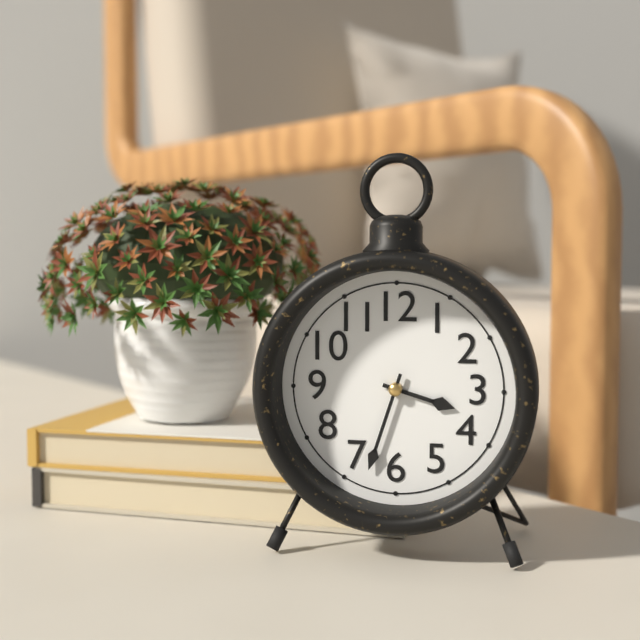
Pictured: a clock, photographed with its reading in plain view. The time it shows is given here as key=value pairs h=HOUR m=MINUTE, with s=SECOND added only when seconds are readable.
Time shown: h=3 m=33
